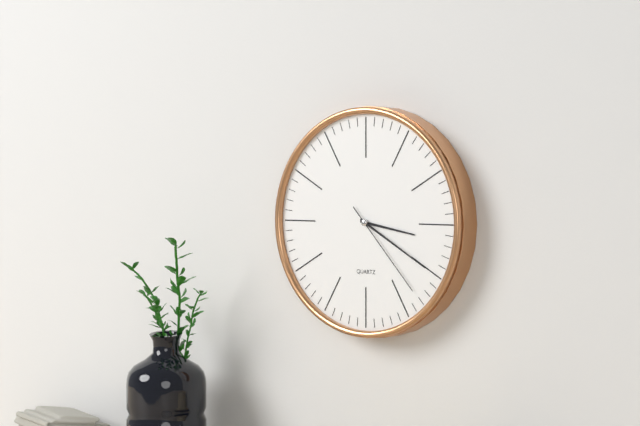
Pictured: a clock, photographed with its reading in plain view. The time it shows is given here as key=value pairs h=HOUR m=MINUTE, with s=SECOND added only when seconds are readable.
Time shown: h=3 m=20 s=23
